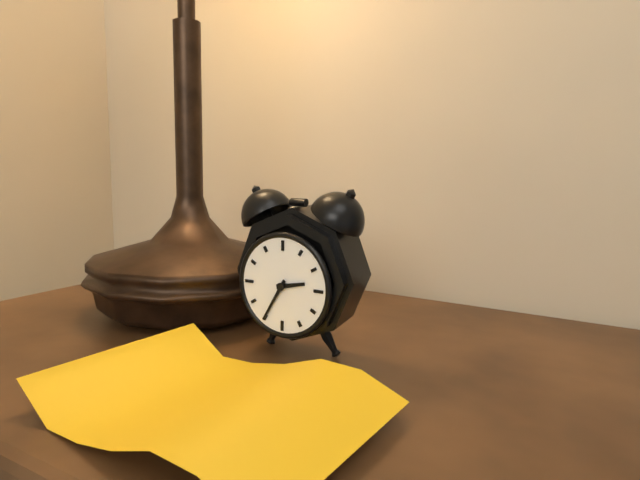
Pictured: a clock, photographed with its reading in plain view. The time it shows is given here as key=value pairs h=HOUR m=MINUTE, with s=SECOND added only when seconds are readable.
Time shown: h=2 m=35
